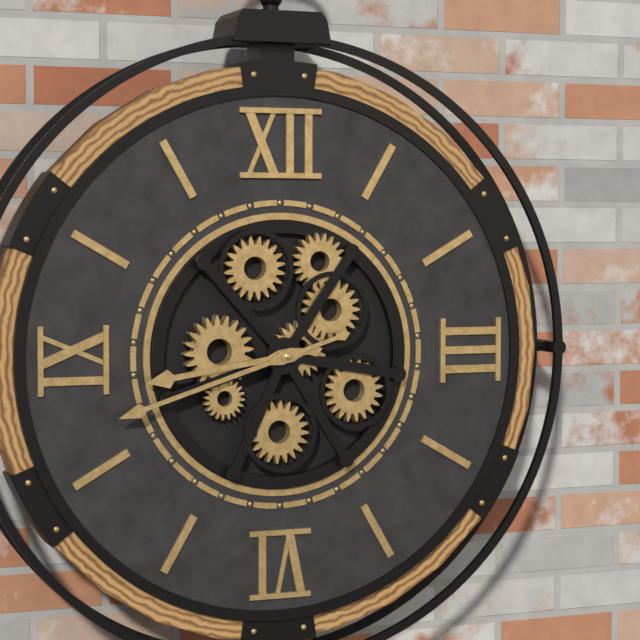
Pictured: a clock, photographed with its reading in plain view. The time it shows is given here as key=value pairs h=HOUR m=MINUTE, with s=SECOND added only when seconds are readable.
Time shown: h=8 m=42
